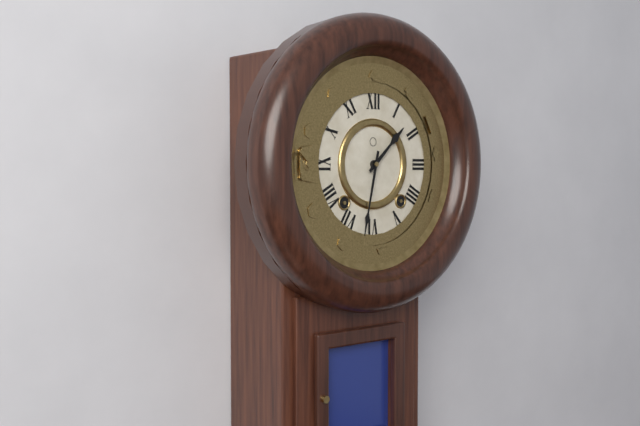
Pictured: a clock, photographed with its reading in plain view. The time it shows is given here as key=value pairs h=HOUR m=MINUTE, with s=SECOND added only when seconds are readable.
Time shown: h=1 m=32
